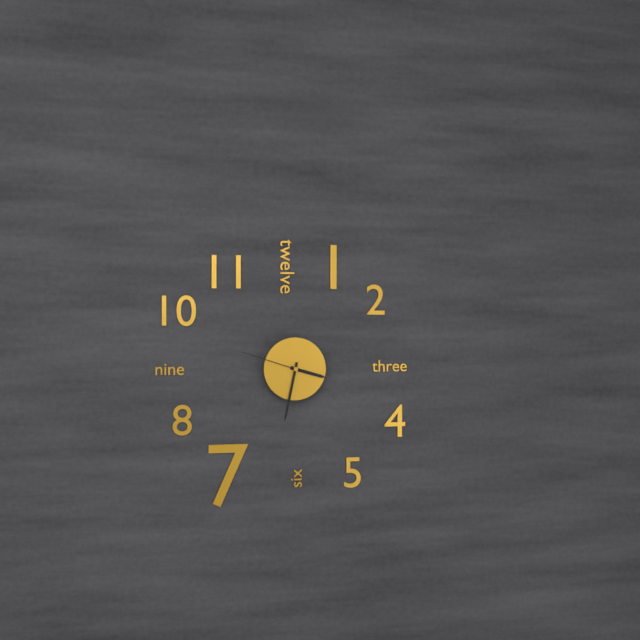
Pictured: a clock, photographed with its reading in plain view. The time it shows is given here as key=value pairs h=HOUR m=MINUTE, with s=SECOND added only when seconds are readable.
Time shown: h=3 m=32 s=48
